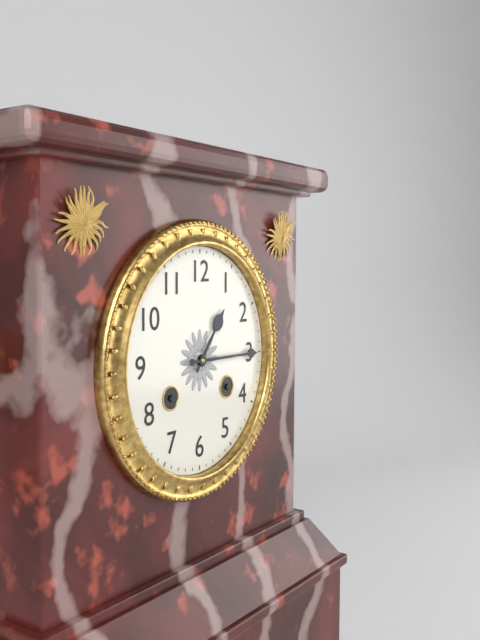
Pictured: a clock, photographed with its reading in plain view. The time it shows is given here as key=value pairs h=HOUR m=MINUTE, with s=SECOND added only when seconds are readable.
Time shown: h=1 m=15
